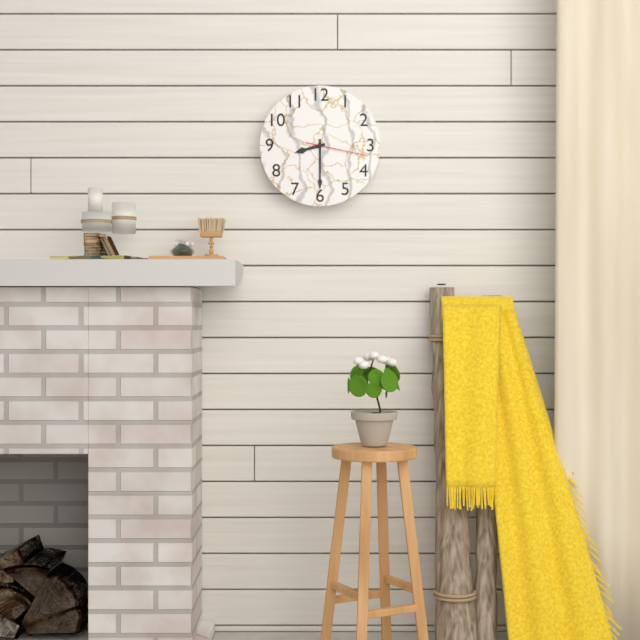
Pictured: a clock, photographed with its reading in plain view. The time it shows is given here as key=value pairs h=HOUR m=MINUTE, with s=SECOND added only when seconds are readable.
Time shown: h=8 m=30 s=17
